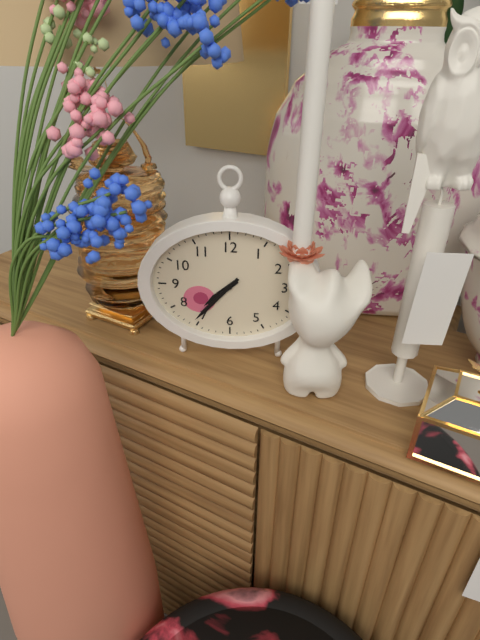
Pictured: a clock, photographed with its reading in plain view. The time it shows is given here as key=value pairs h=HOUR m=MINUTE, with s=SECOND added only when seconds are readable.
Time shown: h=7 m=37
